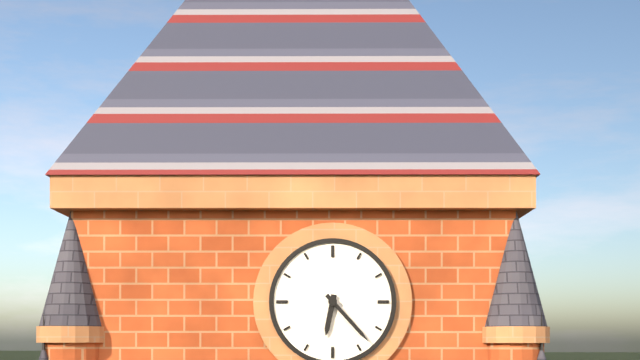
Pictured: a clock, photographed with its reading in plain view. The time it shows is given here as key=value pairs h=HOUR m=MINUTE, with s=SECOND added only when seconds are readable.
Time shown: h=6 m=23
